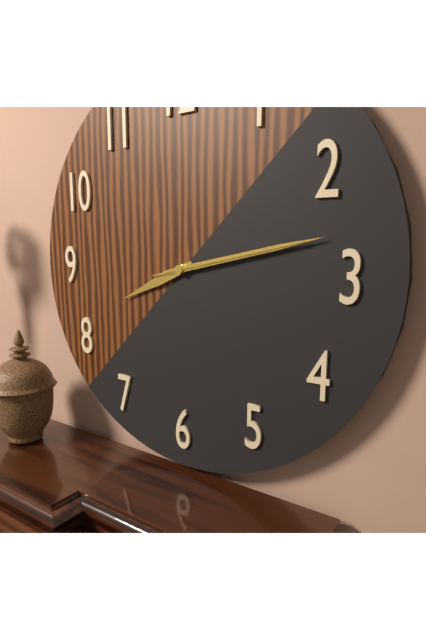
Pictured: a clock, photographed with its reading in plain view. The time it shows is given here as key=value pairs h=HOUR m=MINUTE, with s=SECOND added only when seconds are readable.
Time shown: h=8 m=13 s=13
